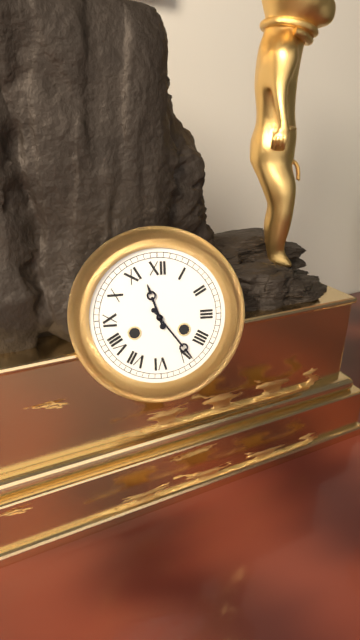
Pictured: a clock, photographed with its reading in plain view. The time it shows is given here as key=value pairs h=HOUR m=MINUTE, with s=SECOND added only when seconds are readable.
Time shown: h=11 m=24
